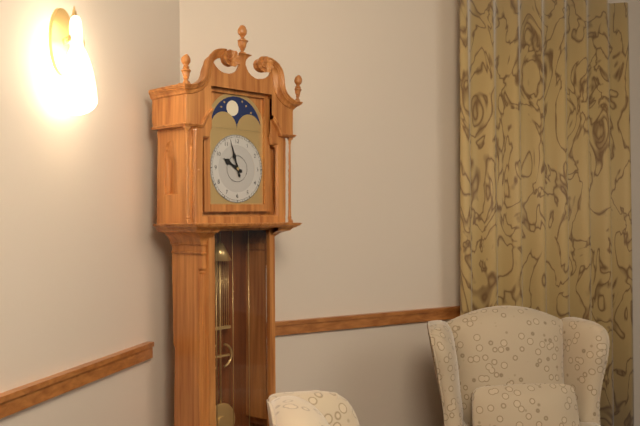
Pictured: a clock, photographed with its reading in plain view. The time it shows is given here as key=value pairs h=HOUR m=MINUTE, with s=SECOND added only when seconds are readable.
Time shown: h=9 m=57
